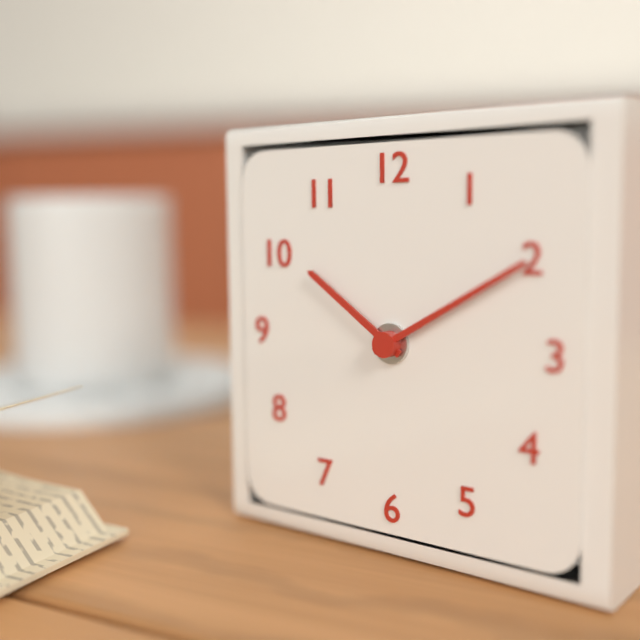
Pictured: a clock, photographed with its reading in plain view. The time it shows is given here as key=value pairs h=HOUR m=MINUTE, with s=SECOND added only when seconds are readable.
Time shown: h=10 m=10
